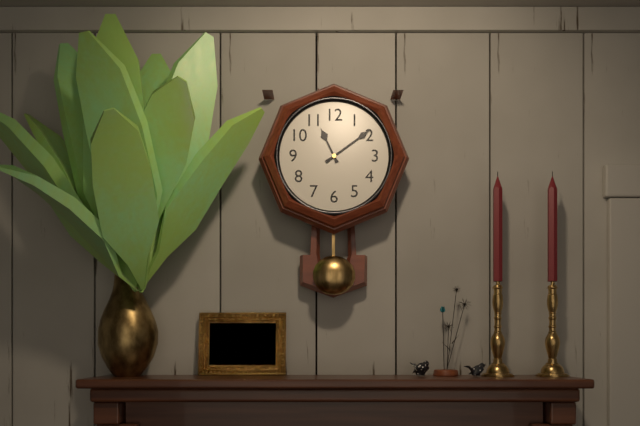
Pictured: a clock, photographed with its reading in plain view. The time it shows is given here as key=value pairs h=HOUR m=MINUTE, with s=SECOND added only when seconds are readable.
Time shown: h=11 m=9
